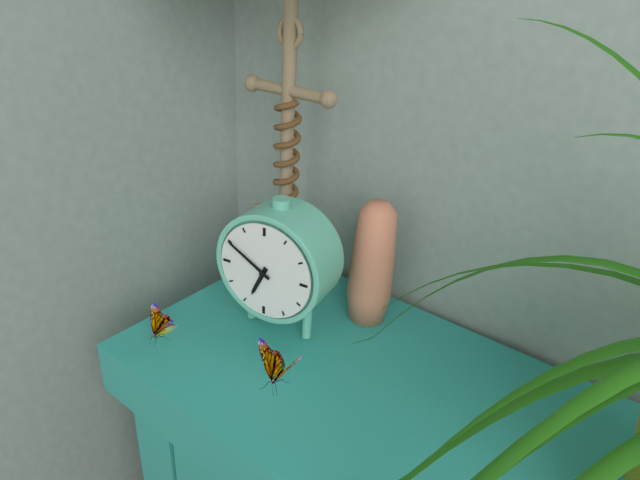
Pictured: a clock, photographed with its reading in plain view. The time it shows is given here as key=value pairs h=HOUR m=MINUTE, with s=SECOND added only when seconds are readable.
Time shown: h=6 m=50
